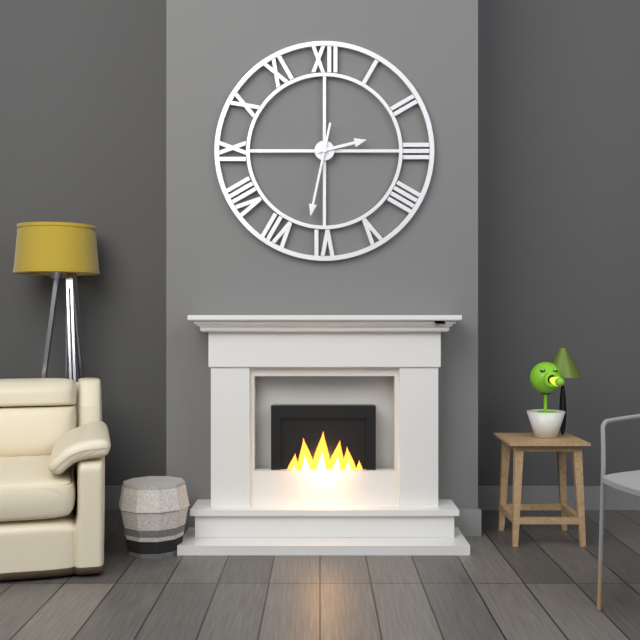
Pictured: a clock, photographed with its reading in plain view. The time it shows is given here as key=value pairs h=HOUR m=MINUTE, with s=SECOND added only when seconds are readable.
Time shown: h=2 m=32
